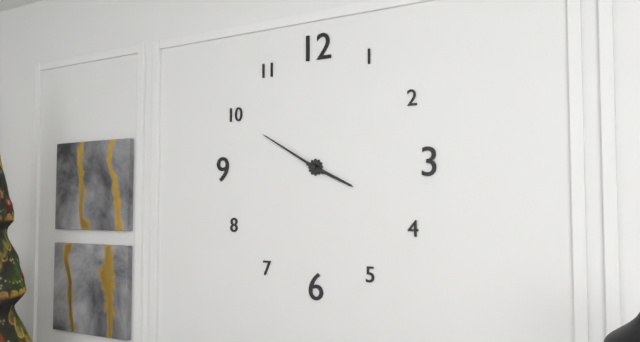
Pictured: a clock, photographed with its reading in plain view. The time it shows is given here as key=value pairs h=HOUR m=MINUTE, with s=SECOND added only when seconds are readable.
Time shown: h=3 m=50
